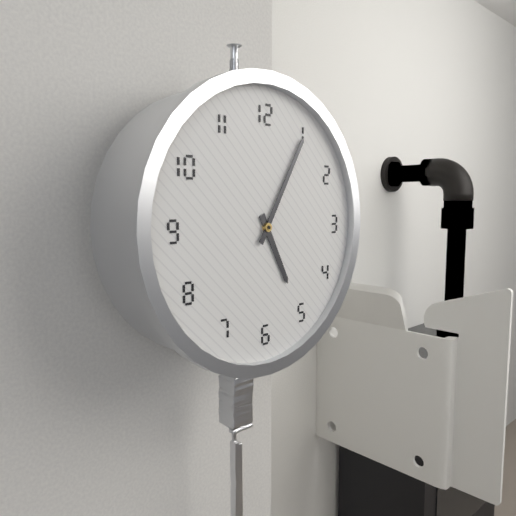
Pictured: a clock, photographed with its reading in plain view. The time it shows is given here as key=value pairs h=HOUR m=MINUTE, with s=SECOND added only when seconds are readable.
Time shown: h=5 m=5
